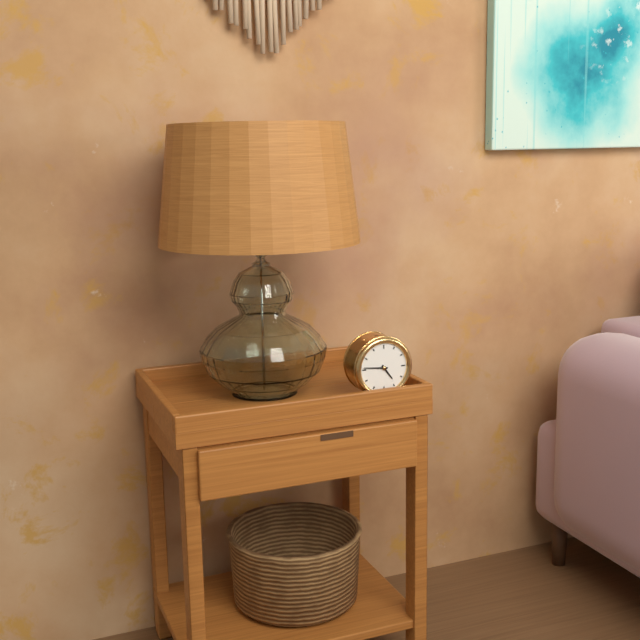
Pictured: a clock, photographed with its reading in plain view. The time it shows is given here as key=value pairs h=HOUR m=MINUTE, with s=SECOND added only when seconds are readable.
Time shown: h=4 m=46
